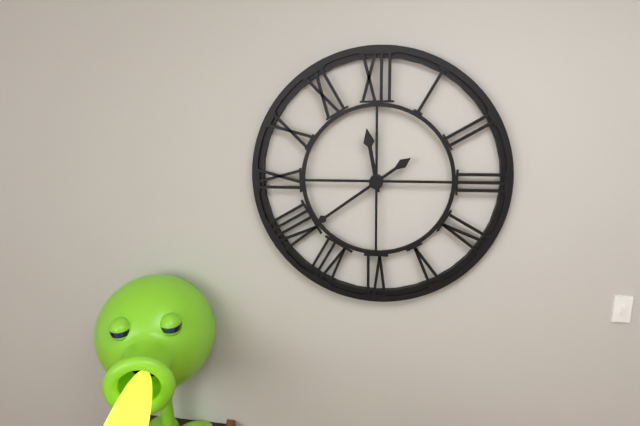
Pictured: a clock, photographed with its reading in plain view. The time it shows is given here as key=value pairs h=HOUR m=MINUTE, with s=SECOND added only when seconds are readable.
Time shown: h=11 m=39
